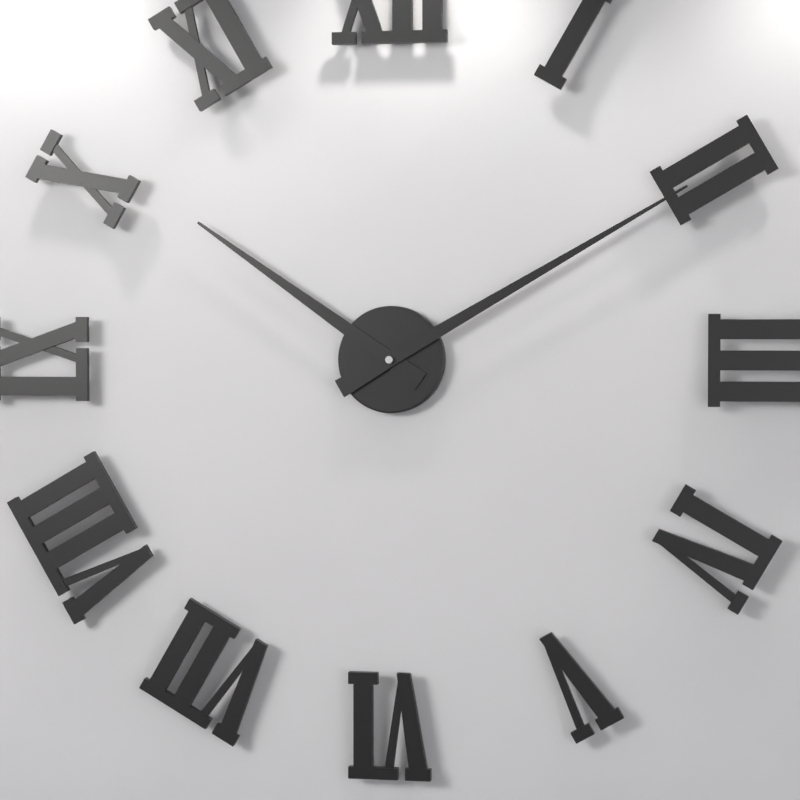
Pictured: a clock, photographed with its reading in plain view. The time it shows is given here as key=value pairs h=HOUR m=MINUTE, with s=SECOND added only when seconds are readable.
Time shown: h=10 m=10
